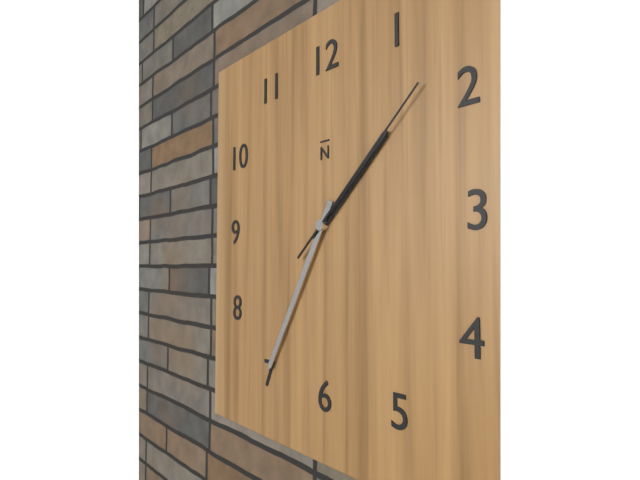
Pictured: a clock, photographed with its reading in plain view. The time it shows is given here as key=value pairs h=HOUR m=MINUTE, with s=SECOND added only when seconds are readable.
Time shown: h=1 m=35 s=8
